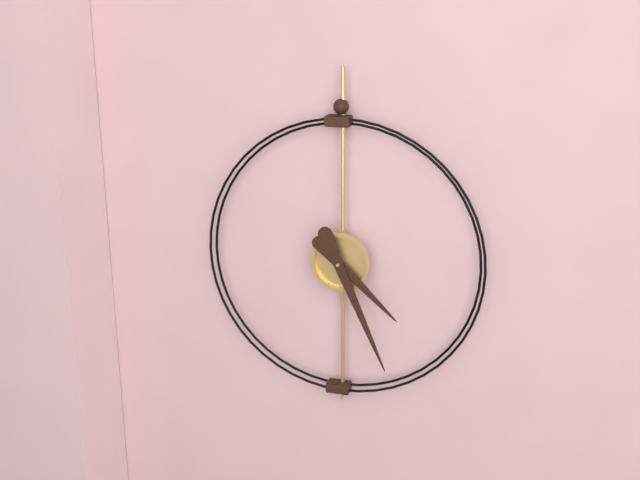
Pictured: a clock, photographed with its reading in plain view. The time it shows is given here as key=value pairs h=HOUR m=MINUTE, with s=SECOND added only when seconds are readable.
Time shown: h=4 m=26
